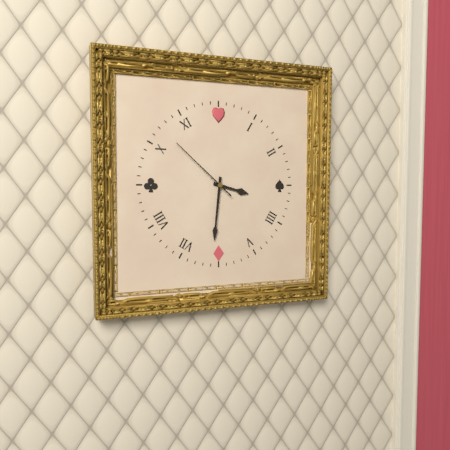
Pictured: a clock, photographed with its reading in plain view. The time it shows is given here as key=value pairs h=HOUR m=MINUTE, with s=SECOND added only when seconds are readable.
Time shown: h=3 m=31 s=52
